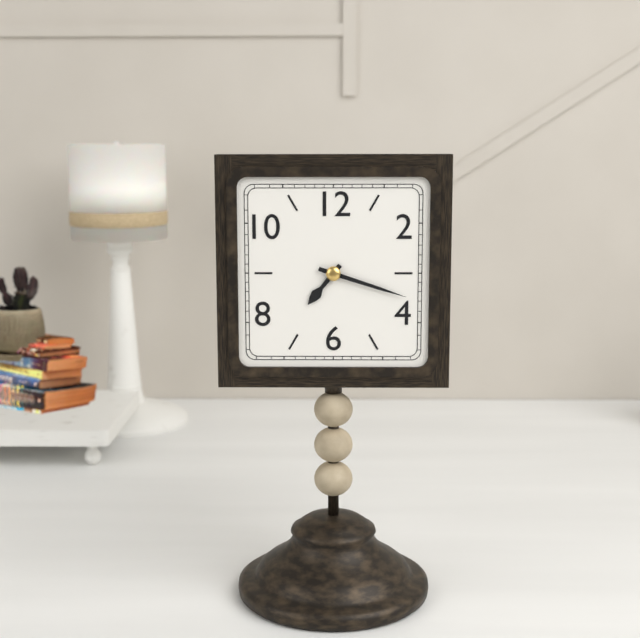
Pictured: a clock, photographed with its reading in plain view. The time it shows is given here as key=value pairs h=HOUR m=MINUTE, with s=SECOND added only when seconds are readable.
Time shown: h=7 m=18
